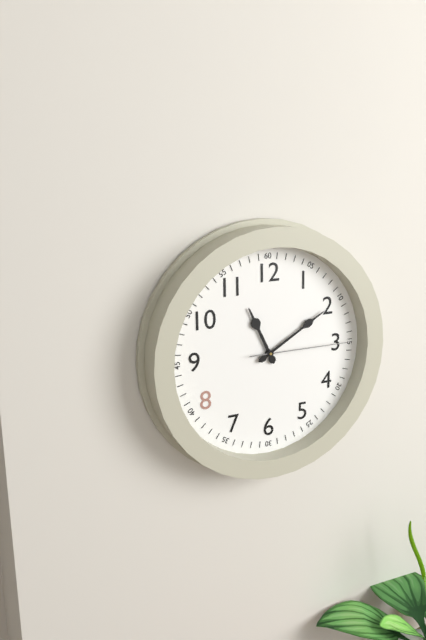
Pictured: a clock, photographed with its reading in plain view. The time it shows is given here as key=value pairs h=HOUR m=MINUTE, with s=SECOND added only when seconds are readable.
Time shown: h=11 m=10 s=15
